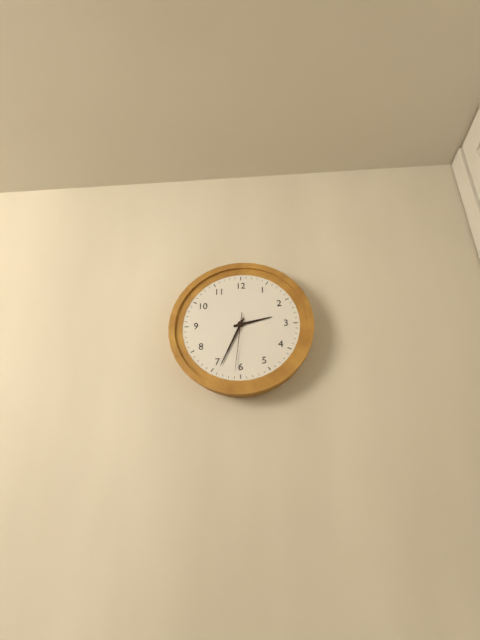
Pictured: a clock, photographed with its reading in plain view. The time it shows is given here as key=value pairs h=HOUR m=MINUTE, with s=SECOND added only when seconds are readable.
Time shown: h=2 m=34 s=31
